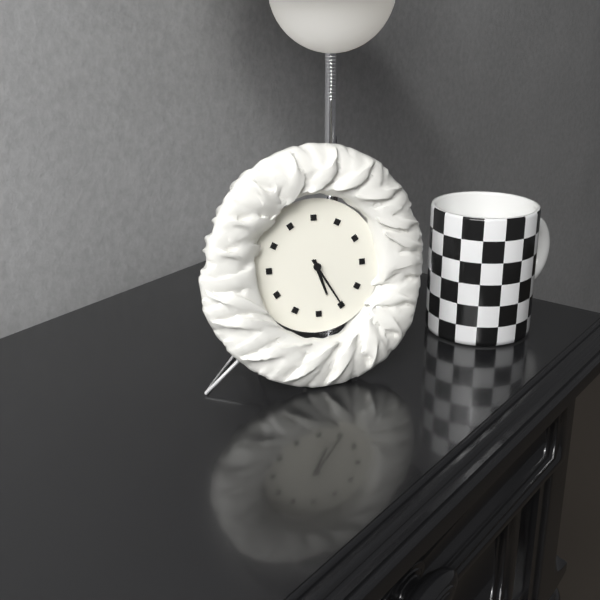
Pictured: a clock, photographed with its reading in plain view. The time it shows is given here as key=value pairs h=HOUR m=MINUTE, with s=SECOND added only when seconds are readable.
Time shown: h=5 m=25
